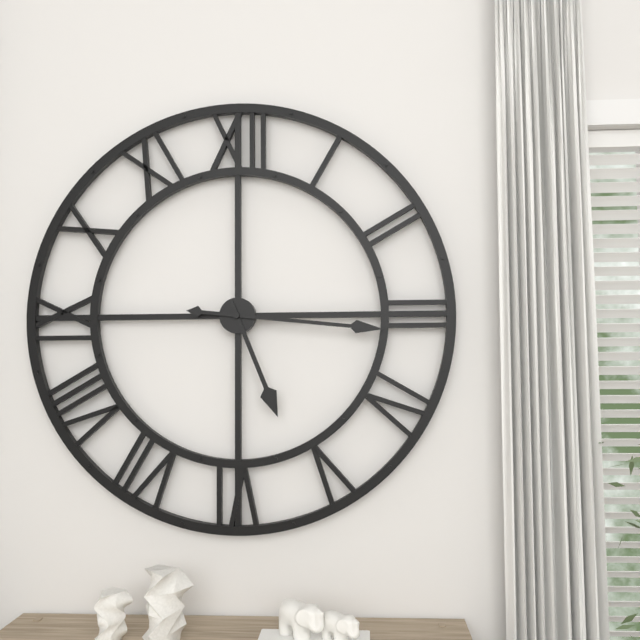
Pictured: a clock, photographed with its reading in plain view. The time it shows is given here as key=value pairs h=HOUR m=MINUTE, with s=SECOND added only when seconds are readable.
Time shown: h=5 m=16
